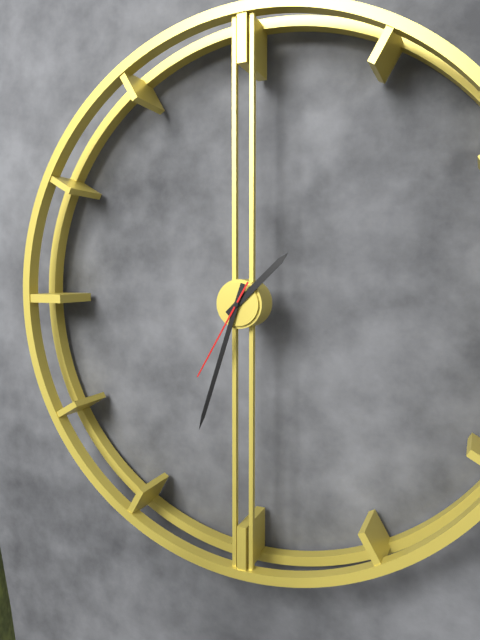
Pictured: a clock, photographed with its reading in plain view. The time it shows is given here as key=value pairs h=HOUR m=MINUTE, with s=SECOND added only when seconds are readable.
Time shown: h=1 m=33 s=35
